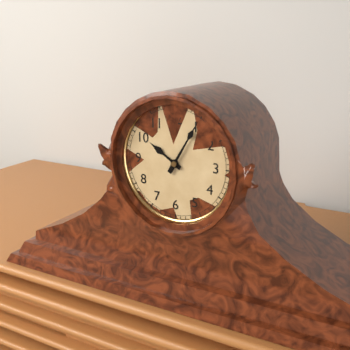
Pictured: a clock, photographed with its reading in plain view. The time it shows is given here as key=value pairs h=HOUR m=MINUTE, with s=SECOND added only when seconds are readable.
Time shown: h=10 m=5
